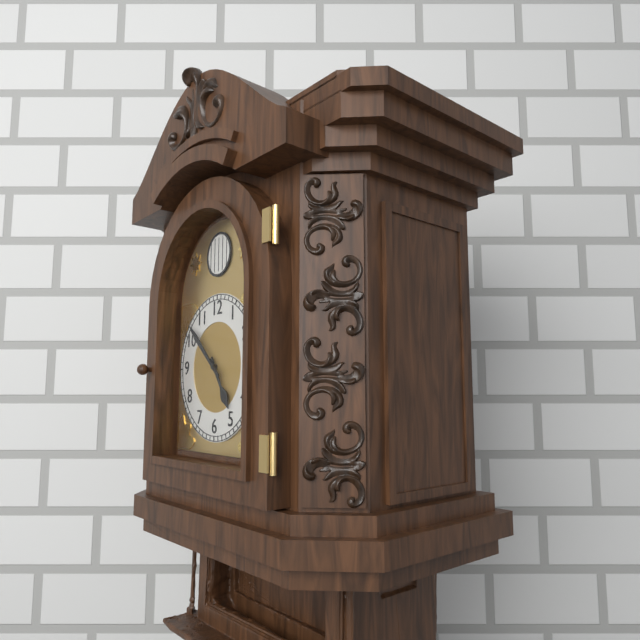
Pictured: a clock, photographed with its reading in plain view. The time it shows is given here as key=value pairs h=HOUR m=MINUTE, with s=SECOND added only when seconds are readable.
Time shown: h=4 m=52
